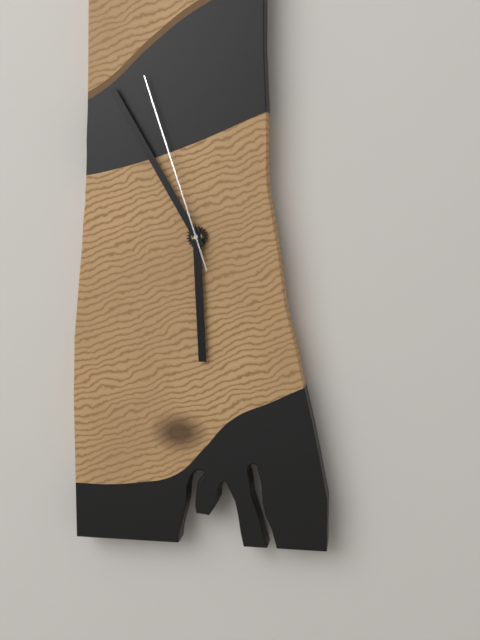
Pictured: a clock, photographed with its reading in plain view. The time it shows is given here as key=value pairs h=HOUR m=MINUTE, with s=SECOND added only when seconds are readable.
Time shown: h=5 m=55 s=57
